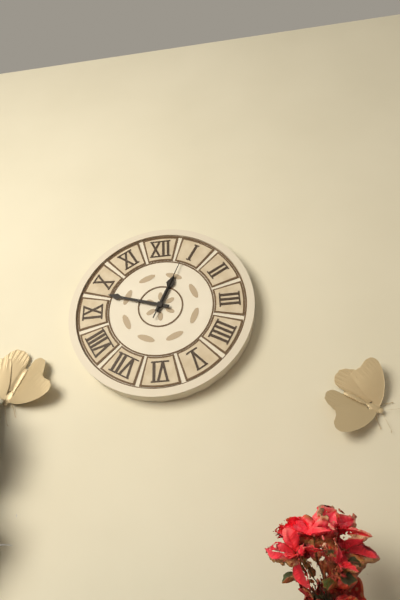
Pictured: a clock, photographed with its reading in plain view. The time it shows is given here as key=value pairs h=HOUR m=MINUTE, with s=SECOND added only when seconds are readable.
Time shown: h=12 m=48 s=4
